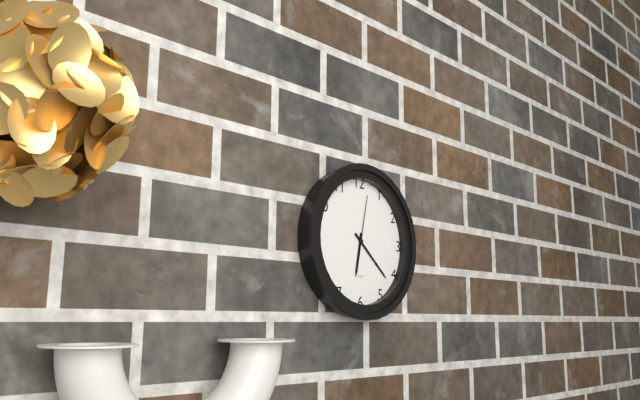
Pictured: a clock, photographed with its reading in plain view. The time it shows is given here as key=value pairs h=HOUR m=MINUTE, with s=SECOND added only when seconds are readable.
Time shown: h=6 m=22 s=2
